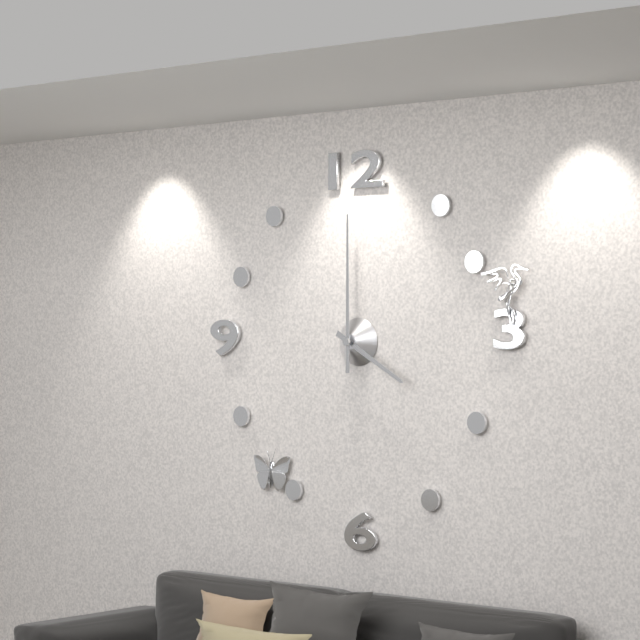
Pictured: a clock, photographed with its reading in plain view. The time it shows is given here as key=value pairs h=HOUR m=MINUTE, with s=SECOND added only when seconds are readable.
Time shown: h=4 m=0
